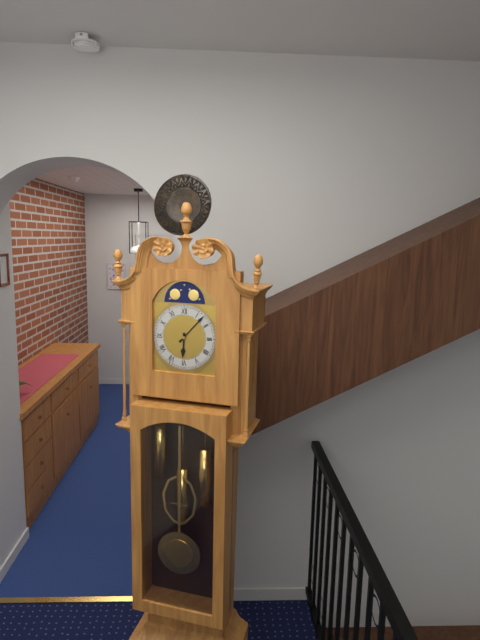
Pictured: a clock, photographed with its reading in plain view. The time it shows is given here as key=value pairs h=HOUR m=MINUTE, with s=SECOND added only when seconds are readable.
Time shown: h=6 m=7
